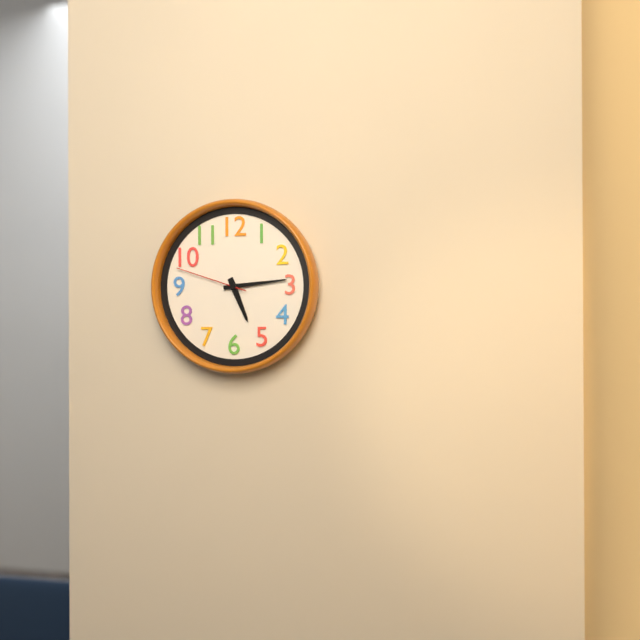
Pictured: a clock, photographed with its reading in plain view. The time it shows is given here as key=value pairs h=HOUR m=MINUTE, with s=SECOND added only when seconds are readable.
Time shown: h=5 m=14 s=48
